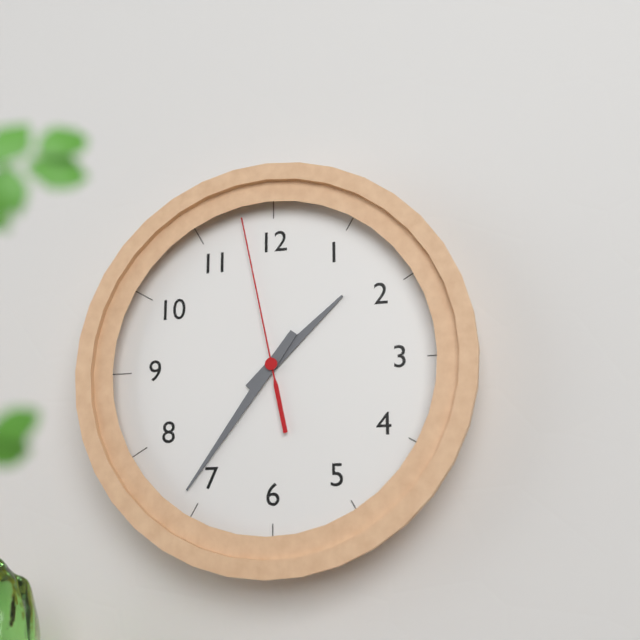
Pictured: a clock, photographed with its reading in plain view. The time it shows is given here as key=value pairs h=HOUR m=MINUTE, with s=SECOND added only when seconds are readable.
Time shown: h=1 m=36 s=58
